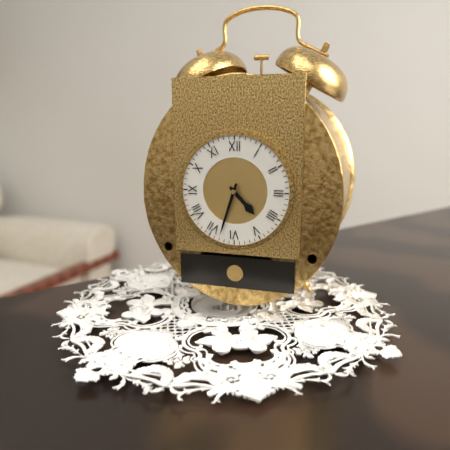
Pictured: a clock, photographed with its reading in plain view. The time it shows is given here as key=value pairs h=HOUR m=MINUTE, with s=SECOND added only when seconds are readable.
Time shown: h=4 m=33
